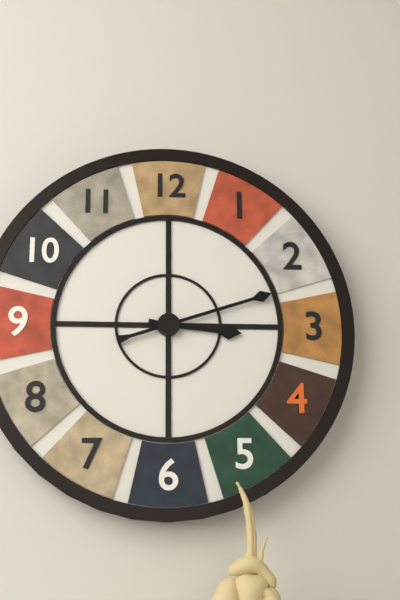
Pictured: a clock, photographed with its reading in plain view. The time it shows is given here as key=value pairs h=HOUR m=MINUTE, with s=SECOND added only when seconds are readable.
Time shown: h=3 m=12
